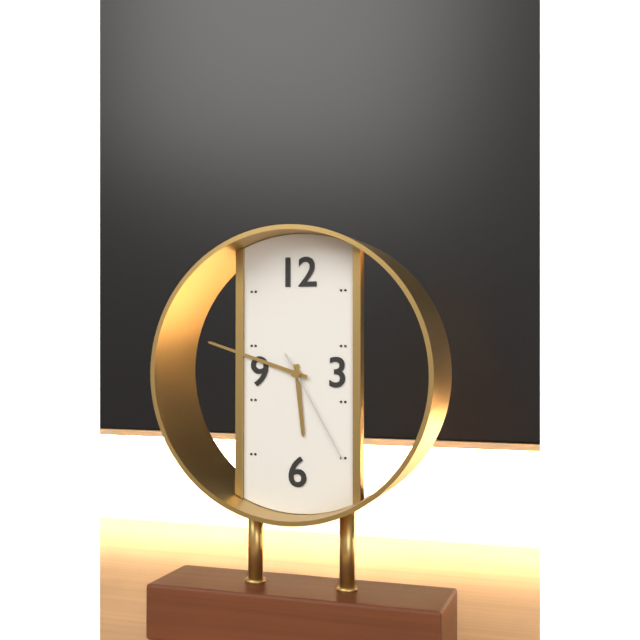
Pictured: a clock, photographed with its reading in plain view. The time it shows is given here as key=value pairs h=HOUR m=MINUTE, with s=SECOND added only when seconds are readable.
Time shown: h=5 m=48 s=25
